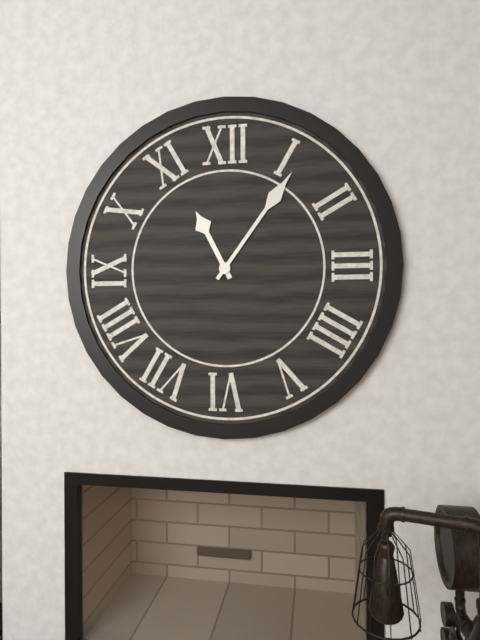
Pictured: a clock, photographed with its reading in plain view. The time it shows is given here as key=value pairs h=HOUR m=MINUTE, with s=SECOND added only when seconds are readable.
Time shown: h=11 m=6
